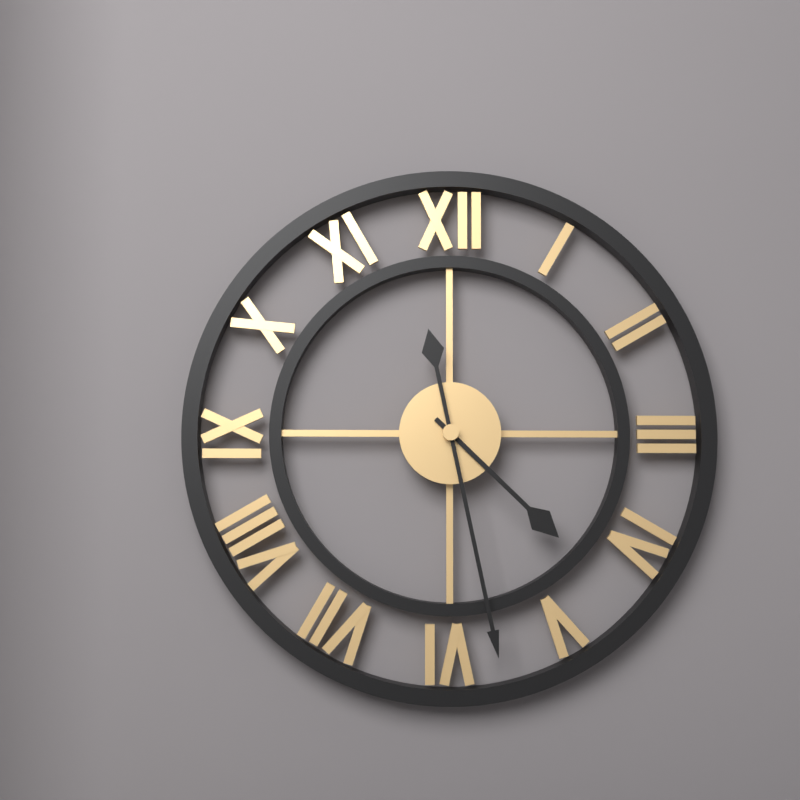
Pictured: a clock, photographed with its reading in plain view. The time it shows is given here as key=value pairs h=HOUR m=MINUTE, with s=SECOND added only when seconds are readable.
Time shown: h=4 m=28
